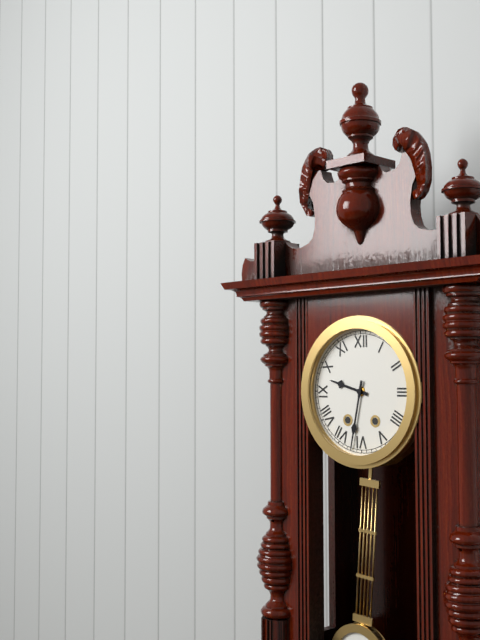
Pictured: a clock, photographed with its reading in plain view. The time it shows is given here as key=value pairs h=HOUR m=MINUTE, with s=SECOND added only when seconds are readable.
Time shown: h=9 m=32
